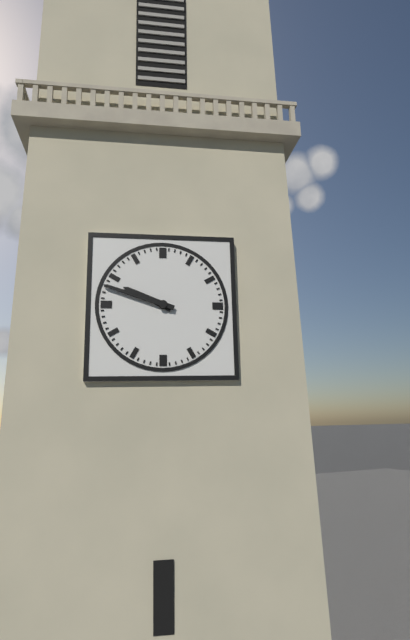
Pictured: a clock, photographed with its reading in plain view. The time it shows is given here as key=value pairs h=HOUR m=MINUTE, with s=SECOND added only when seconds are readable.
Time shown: h=9 m=48
